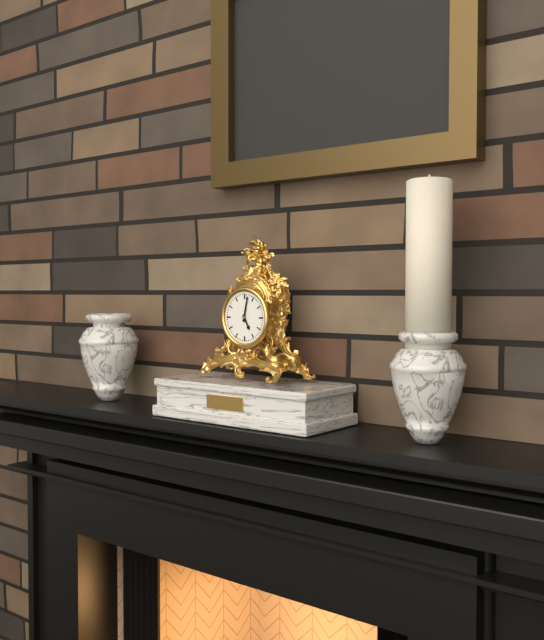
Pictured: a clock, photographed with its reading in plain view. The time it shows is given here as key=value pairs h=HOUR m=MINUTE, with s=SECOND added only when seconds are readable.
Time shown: h=5 m=2
